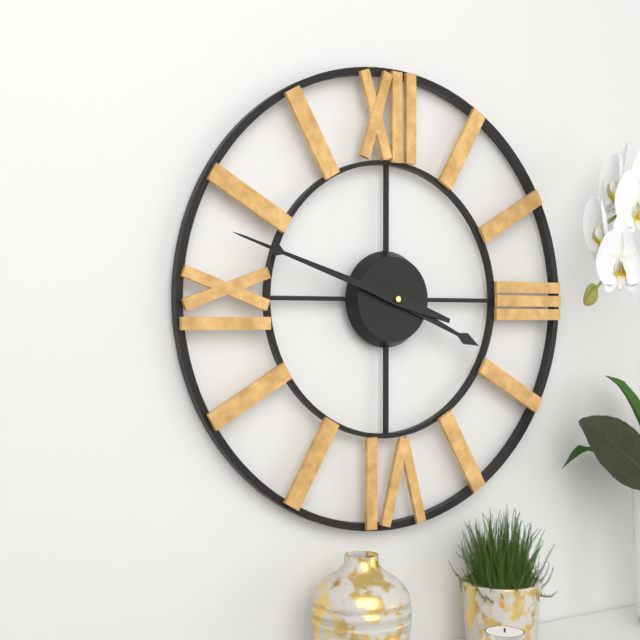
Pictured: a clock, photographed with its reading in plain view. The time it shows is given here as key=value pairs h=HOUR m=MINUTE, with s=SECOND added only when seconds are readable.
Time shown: h=3 m=48
